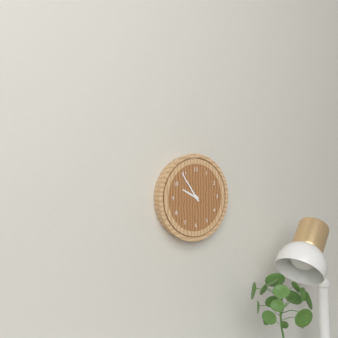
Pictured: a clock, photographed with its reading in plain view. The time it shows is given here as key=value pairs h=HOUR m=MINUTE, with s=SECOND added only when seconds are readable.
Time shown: h=9 m=54
